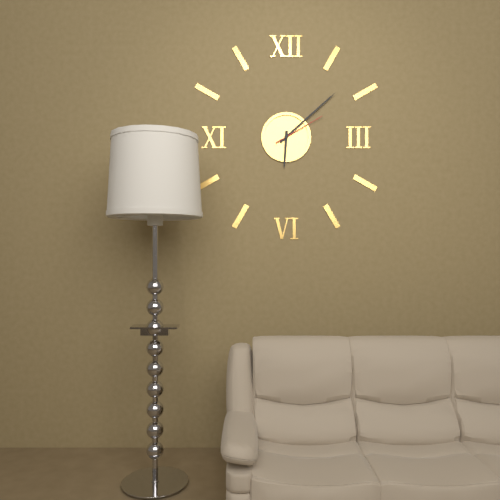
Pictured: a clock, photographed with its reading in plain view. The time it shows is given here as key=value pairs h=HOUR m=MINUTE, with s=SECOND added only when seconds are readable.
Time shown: h=6 m=8 s=10
